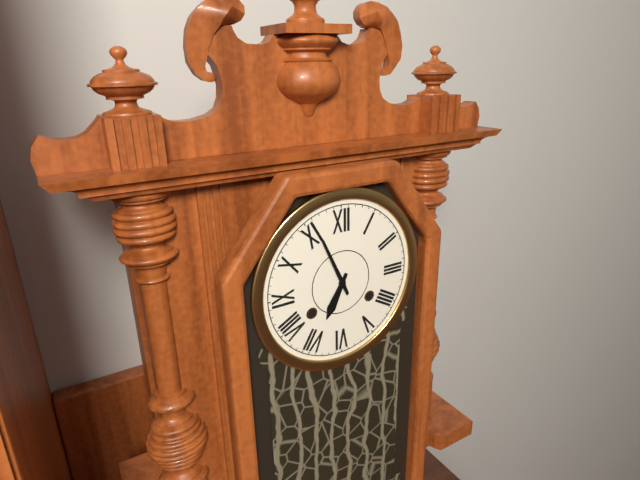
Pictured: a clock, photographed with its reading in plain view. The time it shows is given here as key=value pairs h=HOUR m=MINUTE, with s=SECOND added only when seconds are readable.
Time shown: h=6 m=56
